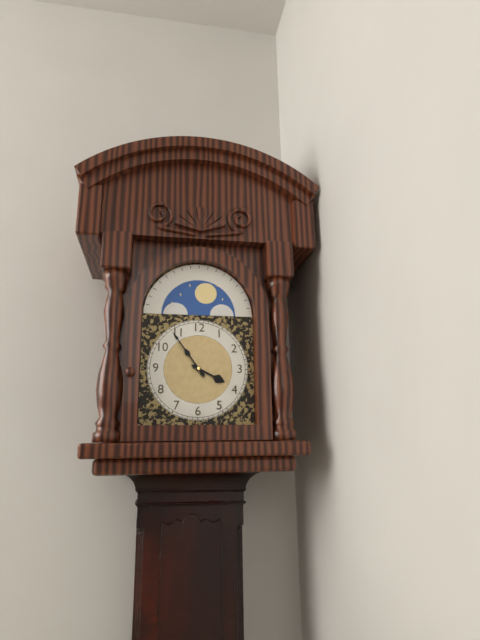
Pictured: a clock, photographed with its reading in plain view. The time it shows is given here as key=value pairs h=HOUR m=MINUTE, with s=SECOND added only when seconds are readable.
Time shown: h=3 m=54
